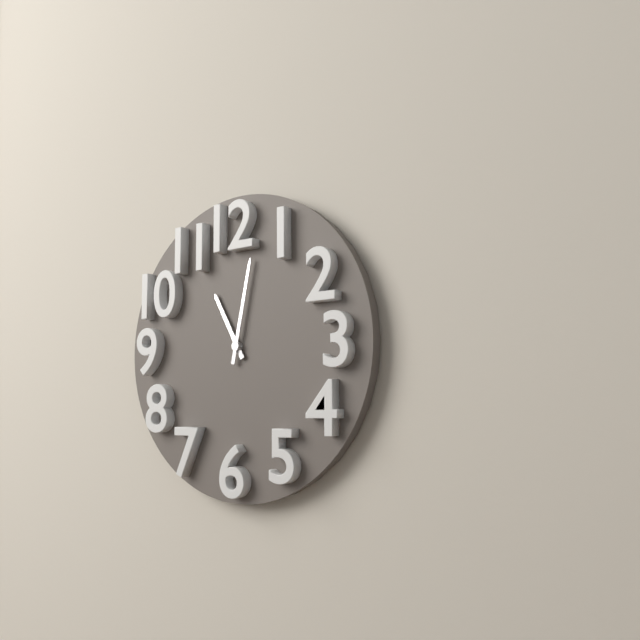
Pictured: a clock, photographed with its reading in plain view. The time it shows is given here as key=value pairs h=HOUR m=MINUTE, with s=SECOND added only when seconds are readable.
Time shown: h=11 m=2
